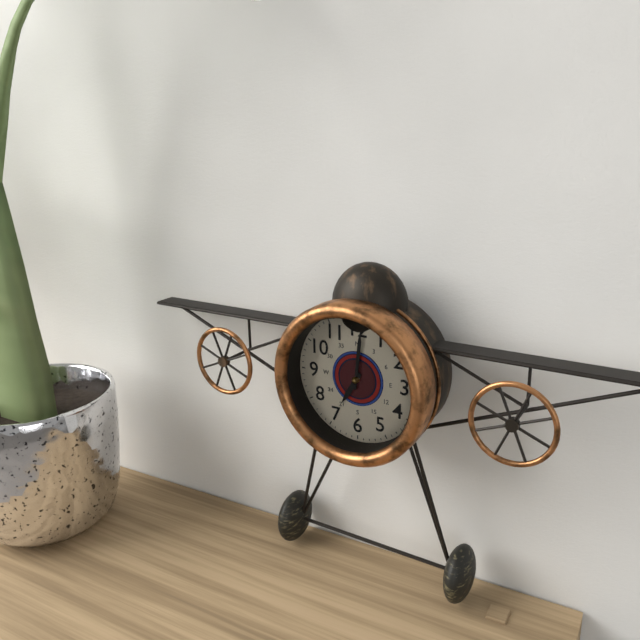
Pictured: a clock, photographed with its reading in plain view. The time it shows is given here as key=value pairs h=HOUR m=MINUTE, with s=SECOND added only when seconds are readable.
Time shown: h=7 m=1
